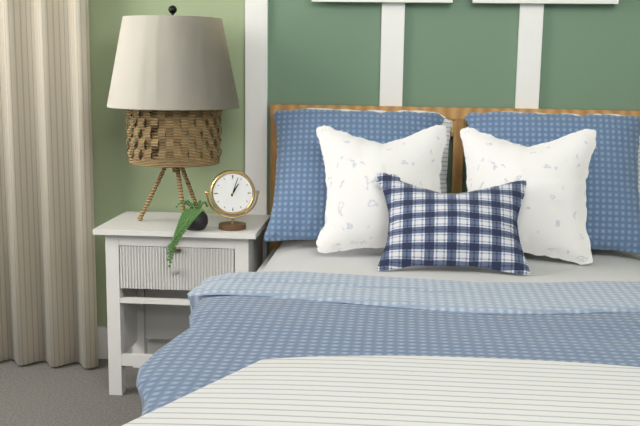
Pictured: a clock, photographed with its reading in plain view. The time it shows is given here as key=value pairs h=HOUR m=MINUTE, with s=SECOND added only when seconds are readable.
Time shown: h=1 m=3
